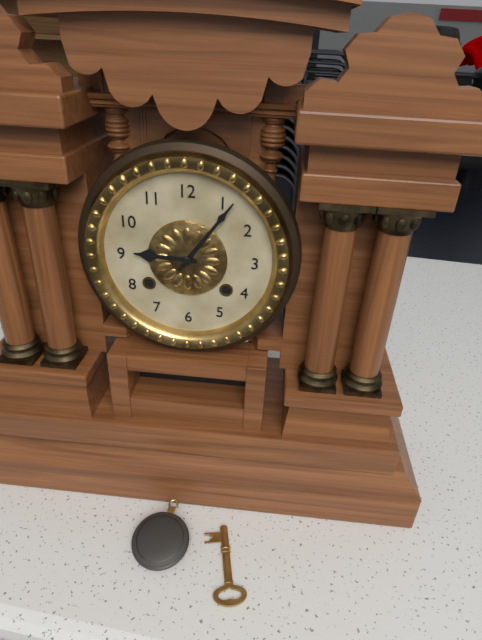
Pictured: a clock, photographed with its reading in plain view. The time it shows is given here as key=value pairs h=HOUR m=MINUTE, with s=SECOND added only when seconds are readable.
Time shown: h=9 m=6
